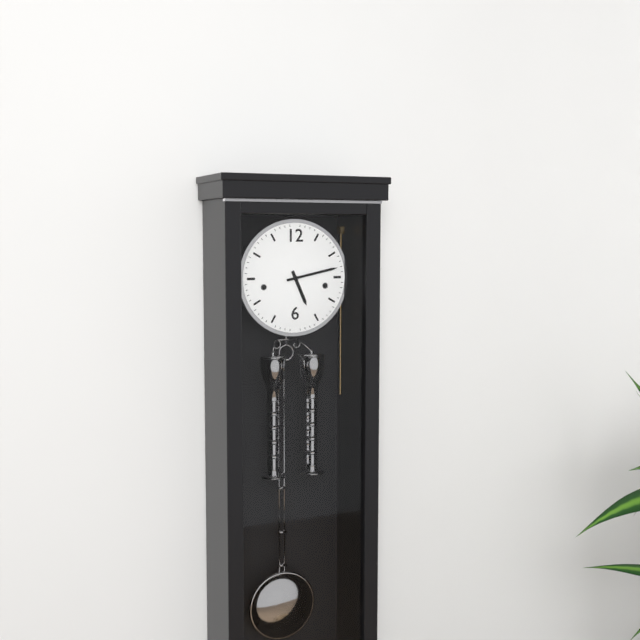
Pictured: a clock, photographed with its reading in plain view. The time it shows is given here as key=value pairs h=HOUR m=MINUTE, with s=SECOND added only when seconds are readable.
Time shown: h=5 m=13
